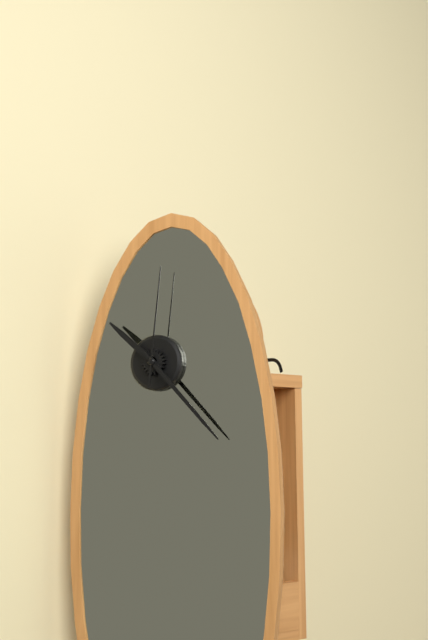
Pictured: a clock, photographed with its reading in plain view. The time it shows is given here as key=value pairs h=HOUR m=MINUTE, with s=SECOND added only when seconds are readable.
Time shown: h=10 m=23 s=1
